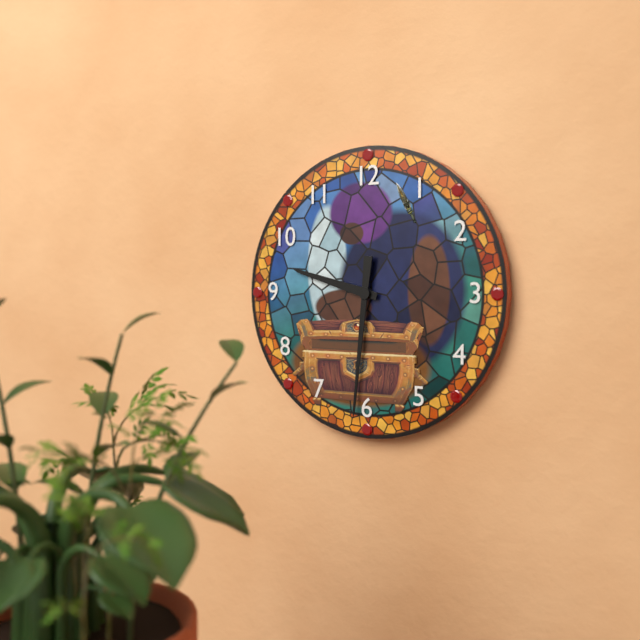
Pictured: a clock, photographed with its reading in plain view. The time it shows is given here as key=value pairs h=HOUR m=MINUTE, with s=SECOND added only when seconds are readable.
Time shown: h=9 m=31
